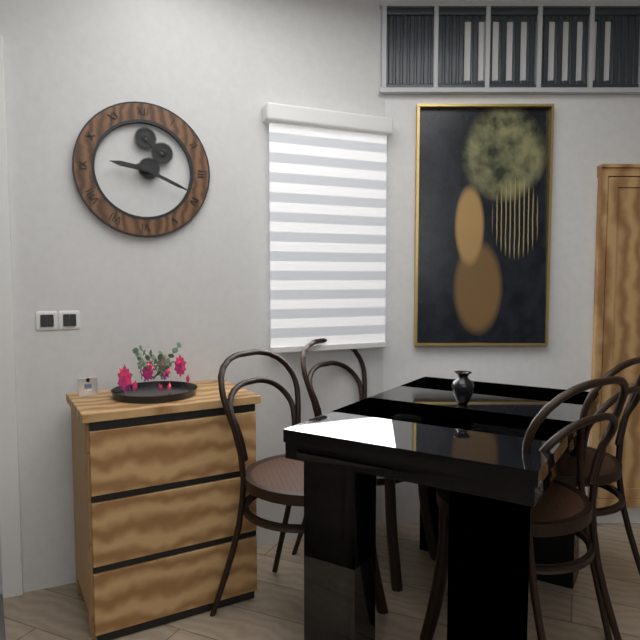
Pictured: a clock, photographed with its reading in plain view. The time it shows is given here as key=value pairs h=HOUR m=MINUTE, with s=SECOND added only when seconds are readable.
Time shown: h=9 m=19
